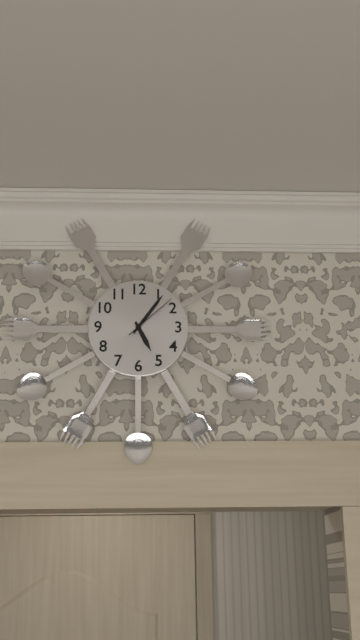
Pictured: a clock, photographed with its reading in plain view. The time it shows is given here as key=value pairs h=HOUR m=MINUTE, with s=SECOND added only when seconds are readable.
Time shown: h=5 m=6 s=8
